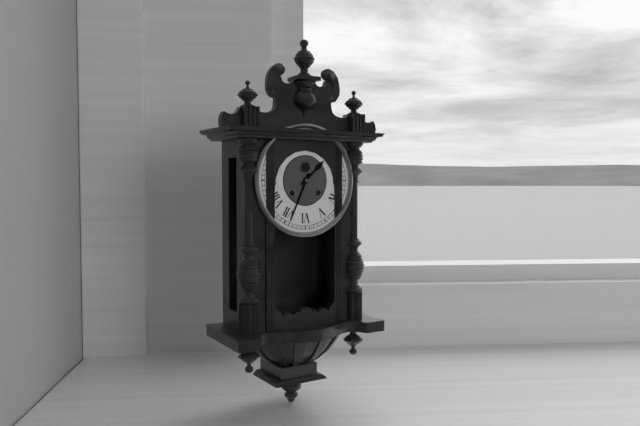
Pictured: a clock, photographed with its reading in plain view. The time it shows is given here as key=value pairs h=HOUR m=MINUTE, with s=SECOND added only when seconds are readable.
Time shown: h=1 m=34
